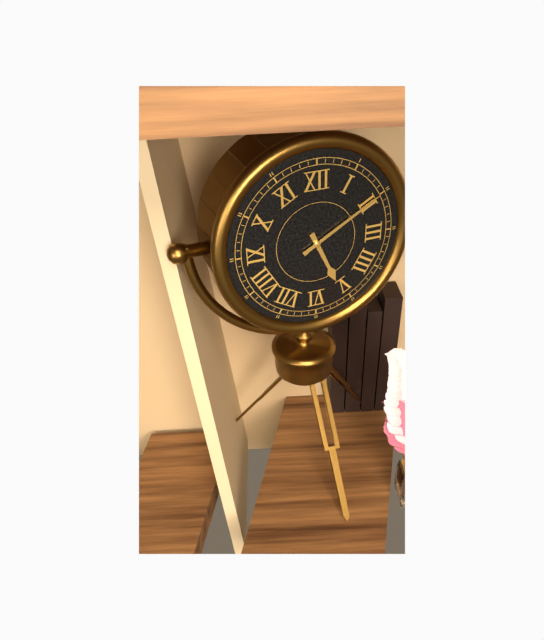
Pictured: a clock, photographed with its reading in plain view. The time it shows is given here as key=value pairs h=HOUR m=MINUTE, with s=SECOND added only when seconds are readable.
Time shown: h=5 m=10
